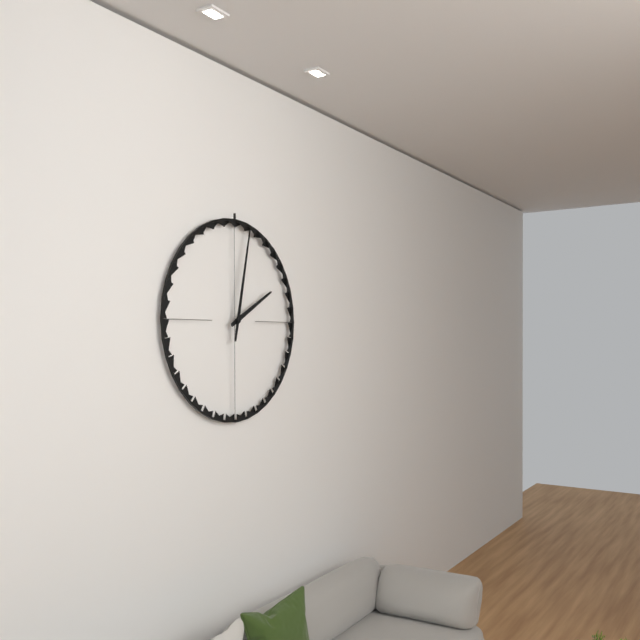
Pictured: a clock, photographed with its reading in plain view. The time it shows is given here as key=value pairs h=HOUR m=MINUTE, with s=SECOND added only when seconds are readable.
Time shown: h=2 m=2
